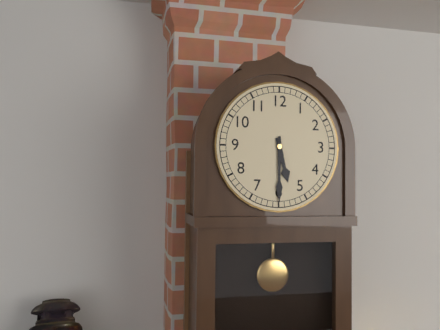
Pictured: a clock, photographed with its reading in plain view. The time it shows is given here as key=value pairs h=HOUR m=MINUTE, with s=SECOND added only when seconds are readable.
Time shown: h=5 m=30
